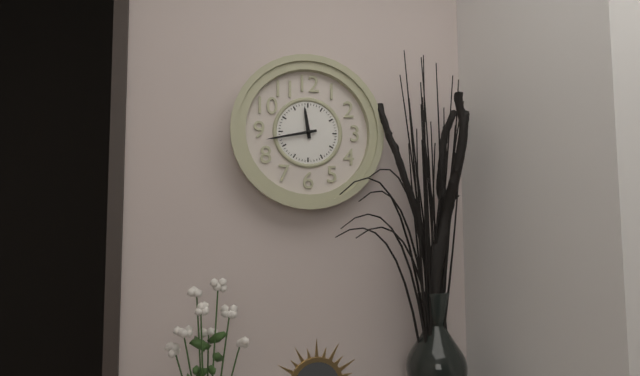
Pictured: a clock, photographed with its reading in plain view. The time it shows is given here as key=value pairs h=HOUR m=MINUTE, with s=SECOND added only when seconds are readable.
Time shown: h=11 m=43
